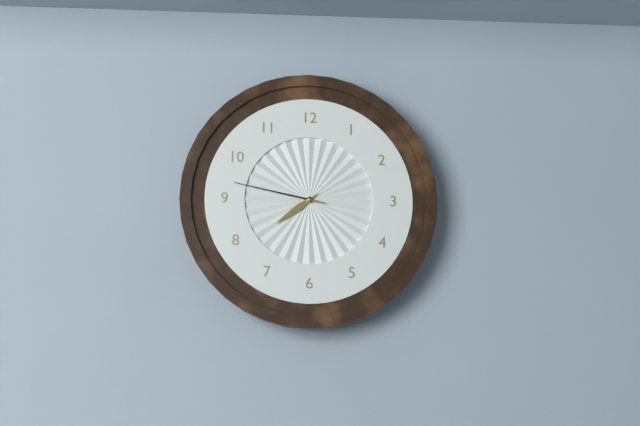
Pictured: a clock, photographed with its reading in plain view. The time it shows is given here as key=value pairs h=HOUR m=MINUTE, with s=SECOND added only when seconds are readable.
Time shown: h=7 m=47
